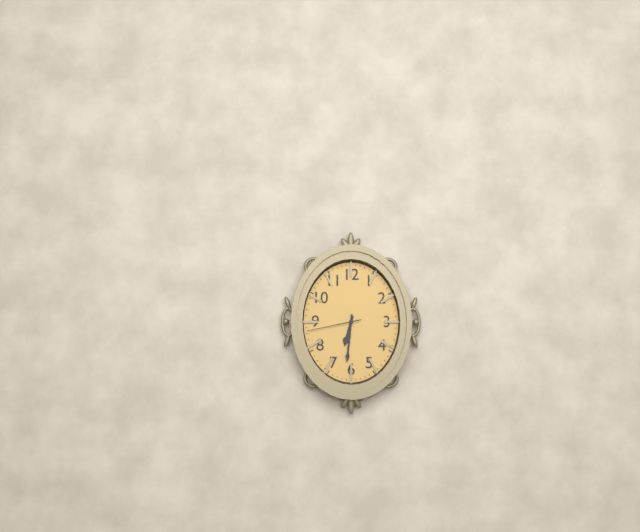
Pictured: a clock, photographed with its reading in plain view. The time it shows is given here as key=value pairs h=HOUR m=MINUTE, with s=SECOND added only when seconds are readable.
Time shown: h=6 m=31 s=43
